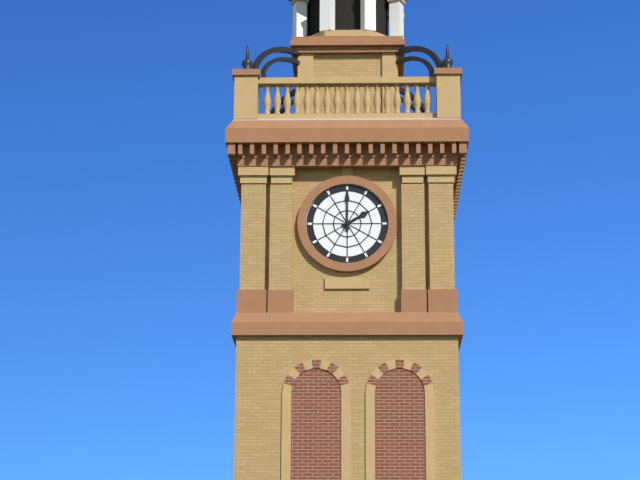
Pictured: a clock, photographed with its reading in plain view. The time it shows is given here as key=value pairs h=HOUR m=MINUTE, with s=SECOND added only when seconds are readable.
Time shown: h=2 m=0
